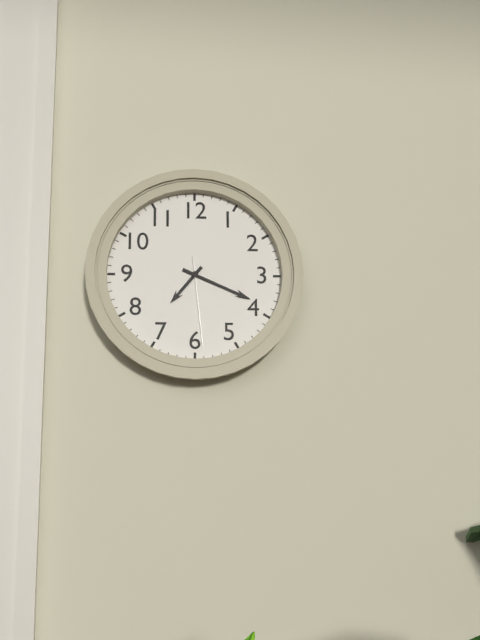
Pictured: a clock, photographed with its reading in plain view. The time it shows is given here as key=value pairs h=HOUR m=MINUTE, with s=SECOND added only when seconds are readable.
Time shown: h=7 m=19 s=29
